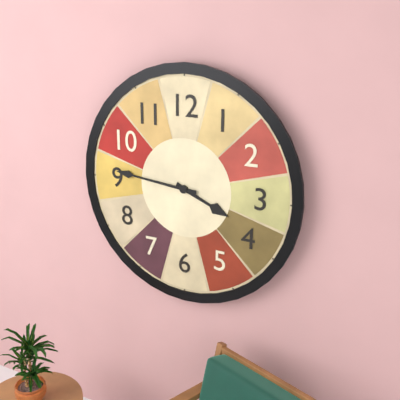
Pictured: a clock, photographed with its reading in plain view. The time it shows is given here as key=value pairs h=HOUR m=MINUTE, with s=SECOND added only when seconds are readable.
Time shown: h=3 m=46
